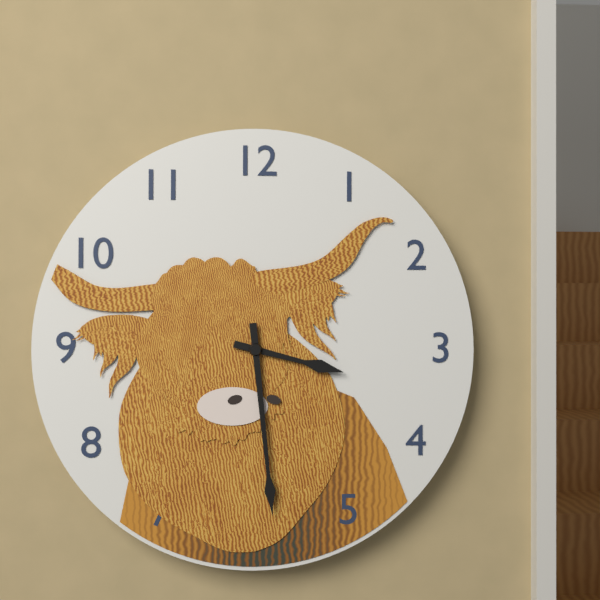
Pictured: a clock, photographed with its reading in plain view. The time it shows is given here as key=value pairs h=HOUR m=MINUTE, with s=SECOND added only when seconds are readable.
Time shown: h=3 m=29
